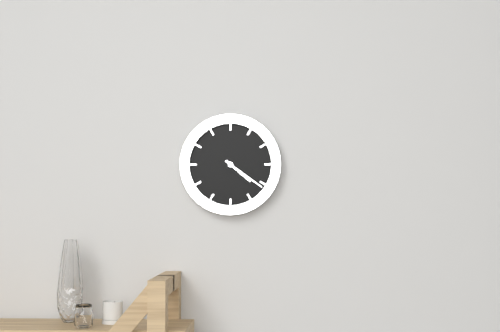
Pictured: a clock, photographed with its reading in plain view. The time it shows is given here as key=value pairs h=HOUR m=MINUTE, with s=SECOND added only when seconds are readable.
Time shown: h=4 m=21
